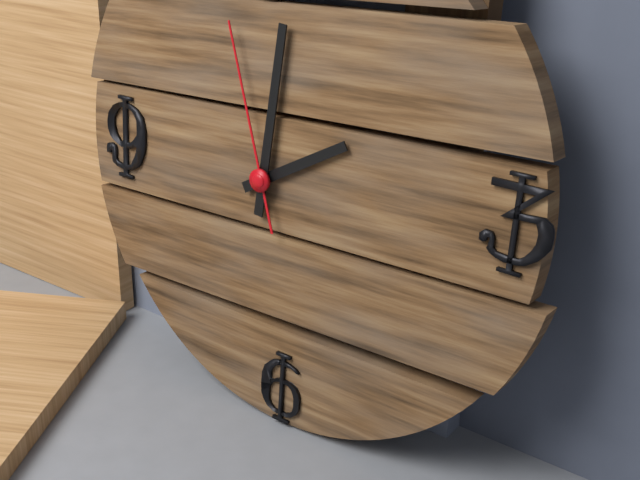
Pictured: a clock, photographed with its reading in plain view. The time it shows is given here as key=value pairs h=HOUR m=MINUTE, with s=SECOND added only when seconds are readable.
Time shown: h=2 m=1 s=57
